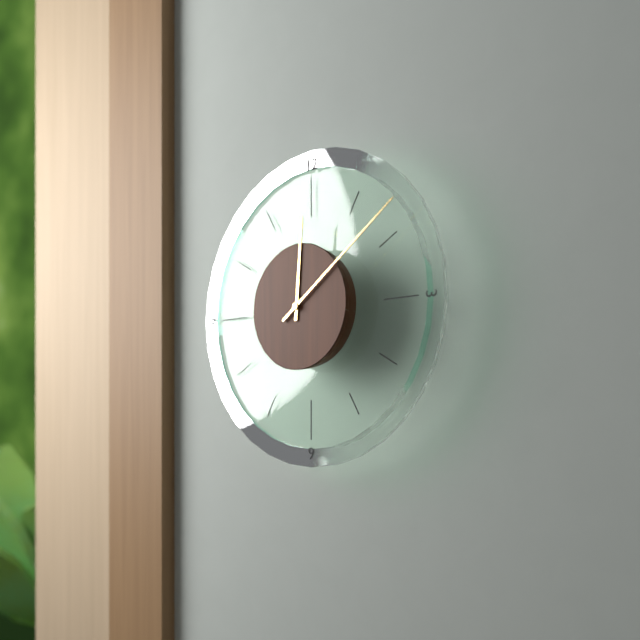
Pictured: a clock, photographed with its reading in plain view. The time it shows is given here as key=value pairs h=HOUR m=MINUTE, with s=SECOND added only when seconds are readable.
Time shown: h=12 m=9
